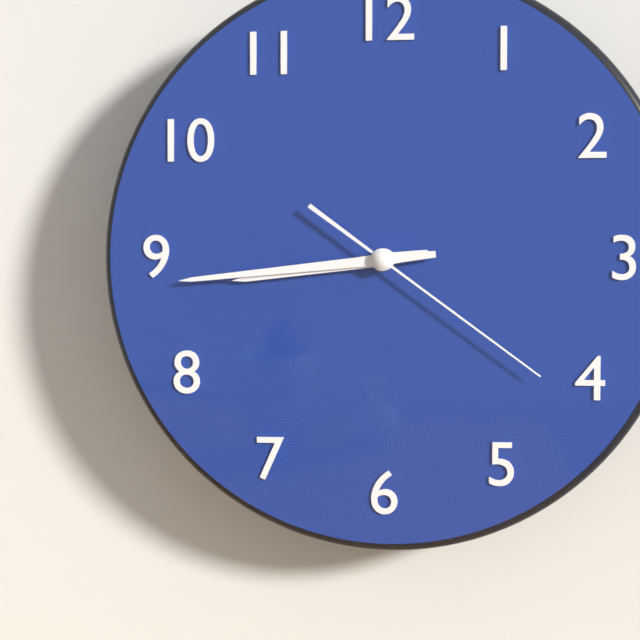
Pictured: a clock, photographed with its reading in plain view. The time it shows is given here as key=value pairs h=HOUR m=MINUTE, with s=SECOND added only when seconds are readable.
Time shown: h=8 m=44 s=21
